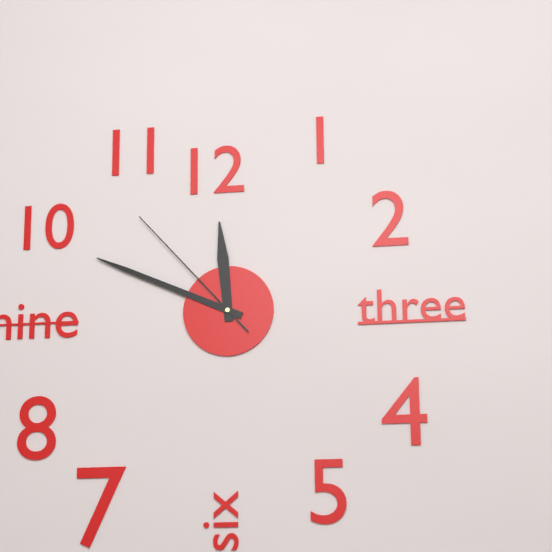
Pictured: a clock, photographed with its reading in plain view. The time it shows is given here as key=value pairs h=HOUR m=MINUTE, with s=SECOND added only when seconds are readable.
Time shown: h=11 m=49 s=53
